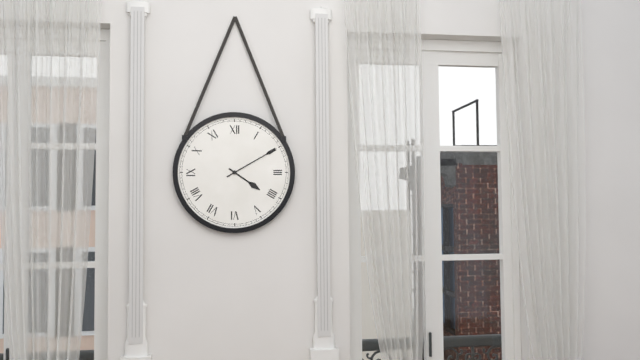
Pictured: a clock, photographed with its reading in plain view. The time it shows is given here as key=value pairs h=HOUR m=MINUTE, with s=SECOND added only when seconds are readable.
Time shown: h=4 m=10
